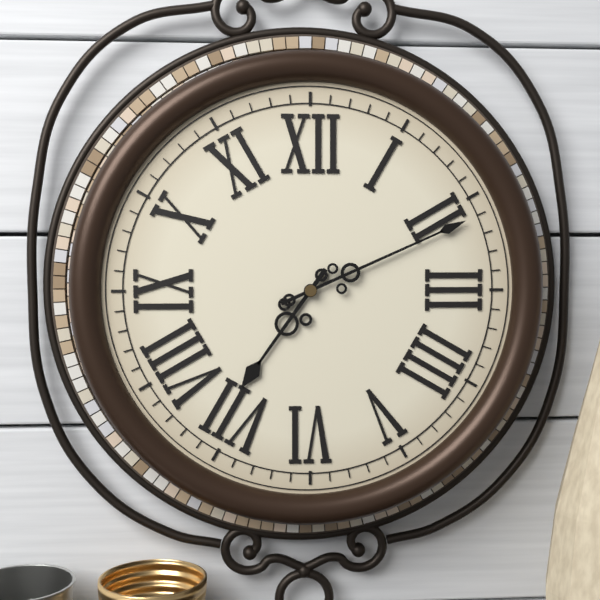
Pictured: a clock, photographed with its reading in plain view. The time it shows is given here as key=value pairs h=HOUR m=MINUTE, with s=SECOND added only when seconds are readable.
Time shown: h=7 m=11
